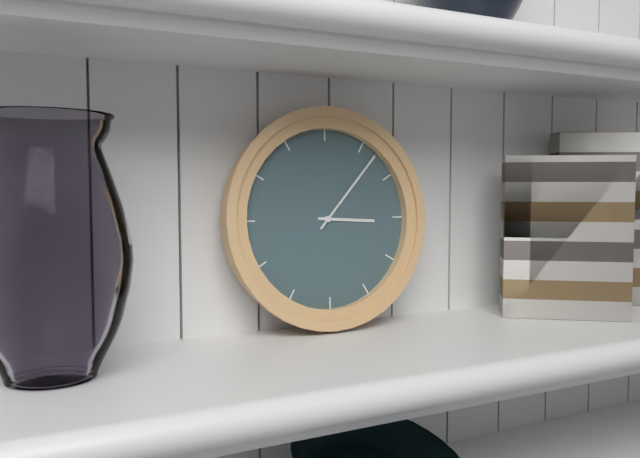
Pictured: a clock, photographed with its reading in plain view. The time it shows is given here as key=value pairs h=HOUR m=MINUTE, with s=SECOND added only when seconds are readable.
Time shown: h=3 m=7
